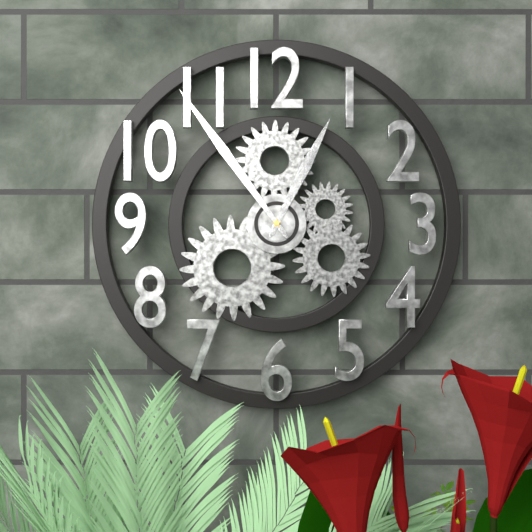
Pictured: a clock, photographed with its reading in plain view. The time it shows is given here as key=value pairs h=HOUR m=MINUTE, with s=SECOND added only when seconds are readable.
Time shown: h=12 m=54
